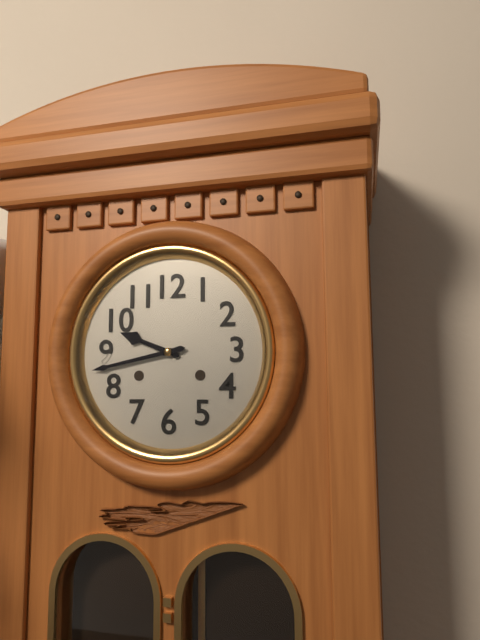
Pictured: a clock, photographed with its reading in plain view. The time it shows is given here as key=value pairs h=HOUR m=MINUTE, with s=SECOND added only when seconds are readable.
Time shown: h=9 m=43
